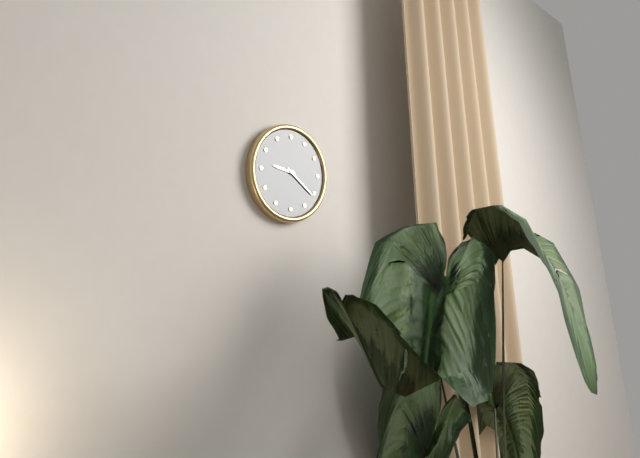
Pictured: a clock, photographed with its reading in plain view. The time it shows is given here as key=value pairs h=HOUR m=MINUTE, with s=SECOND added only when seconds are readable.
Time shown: h=9 m=21
